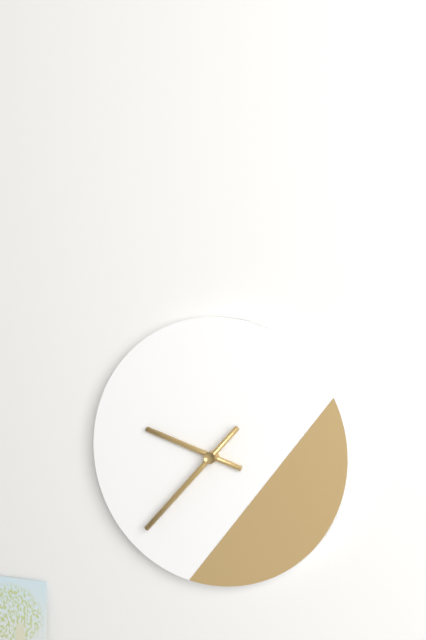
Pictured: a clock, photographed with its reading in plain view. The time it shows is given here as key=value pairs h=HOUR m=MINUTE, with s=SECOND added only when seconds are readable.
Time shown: h=9 m=37
